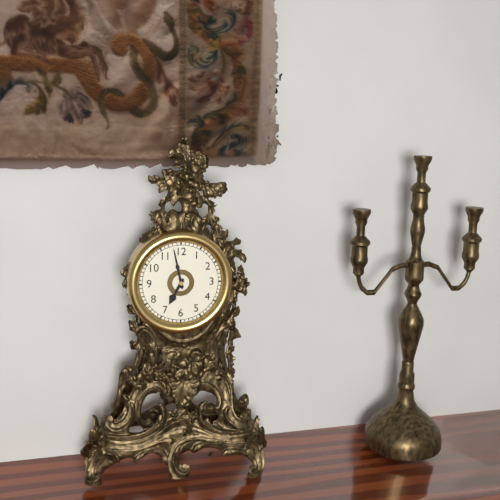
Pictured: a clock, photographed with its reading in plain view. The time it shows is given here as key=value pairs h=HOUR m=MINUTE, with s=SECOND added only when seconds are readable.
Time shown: h=6 m=58
